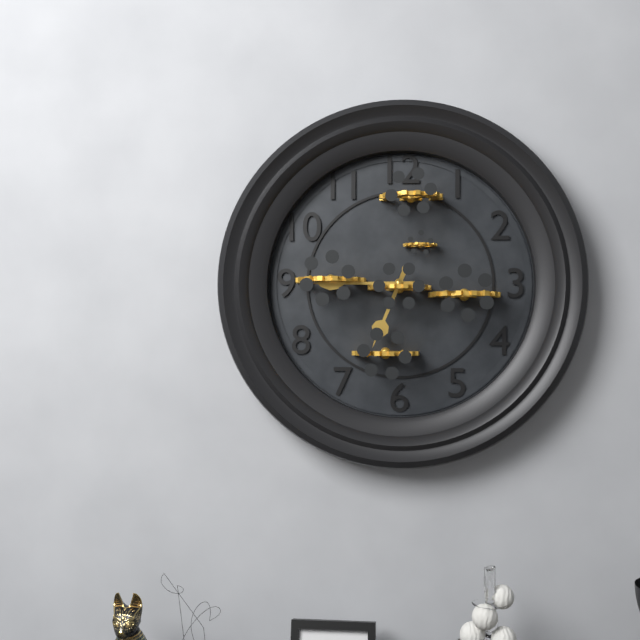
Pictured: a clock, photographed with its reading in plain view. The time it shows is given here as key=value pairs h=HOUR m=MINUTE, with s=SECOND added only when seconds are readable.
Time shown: h=6 m=45
